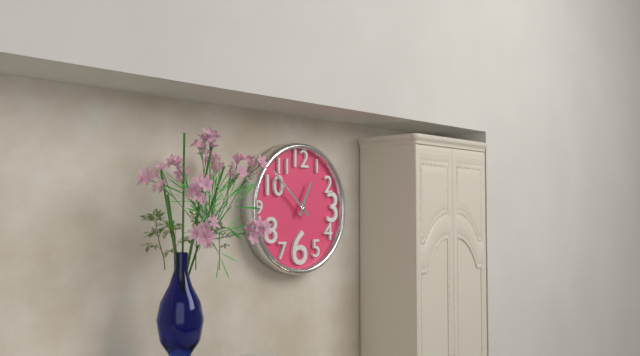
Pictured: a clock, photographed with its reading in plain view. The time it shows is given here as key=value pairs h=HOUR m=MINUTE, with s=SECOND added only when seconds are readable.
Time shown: h=12 m=52
